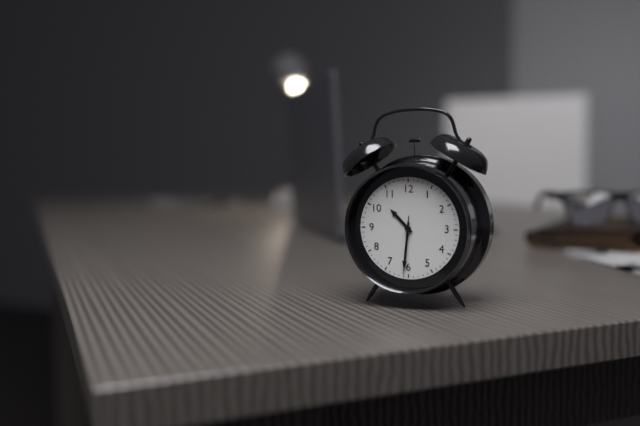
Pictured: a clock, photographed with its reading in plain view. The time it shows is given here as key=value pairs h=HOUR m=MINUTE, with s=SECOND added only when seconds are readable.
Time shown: h=10 m=31 s=31
